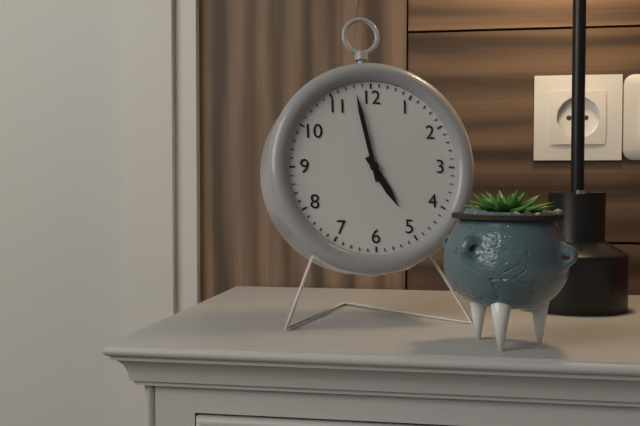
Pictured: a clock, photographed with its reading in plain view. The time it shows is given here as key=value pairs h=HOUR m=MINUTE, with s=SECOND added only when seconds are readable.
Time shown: h=4 m=58
